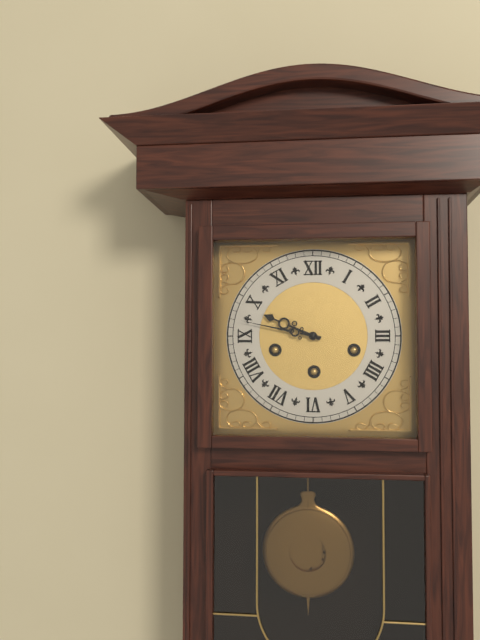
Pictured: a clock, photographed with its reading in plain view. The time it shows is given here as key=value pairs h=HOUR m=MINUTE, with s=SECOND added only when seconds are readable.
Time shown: h=9 m=47
